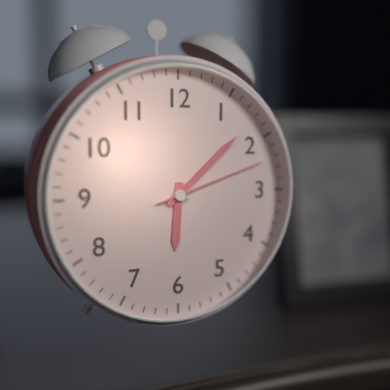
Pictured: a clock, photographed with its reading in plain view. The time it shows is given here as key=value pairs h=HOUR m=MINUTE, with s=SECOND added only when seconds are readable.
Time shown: h=6 m=8 s=12
